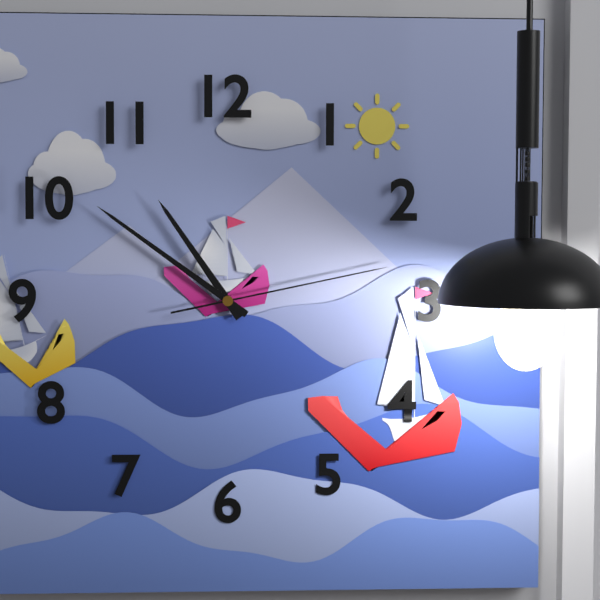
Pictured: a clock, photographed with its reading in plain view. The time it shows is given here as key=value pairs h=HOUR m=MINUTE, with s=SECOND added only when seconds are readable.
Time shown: h=10 m=51 s=13
